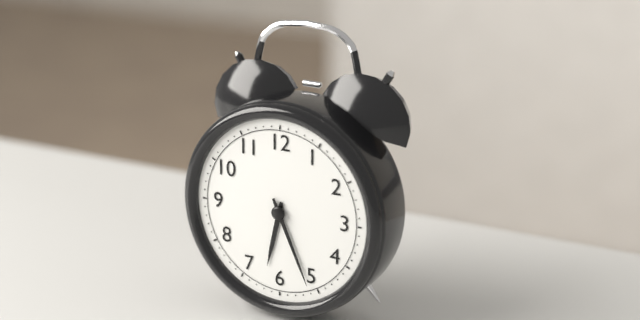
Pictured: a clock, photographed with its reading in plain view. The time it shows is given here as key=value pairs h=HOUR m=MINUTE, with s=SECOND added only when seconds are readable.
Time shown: h=6 m=26
